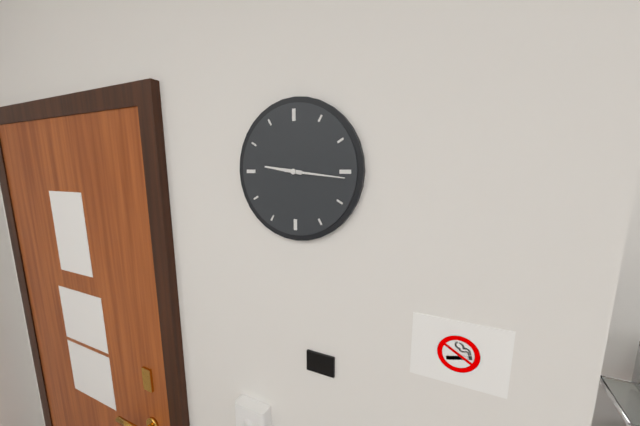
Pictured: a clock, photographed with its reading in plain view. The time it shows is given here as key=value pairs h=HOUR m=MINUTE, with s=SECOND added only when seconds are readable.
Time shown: h=9 m=16
